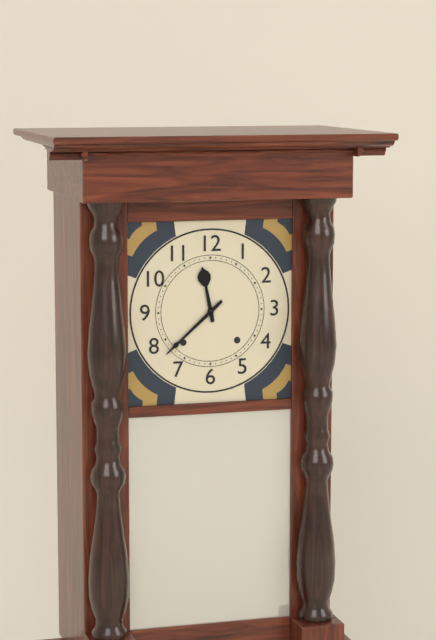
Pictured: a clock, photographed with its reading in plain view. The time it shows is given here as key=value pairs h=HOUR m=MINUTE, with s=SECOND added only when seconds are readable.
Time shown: h=11 m=38
